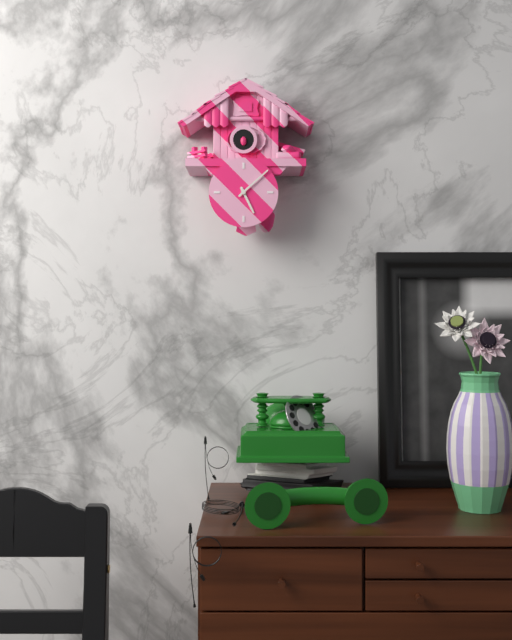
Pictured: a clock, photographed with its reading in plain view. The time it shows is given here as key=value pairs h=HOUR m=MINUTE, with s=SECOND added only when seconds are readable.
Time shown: h=5 m=8
